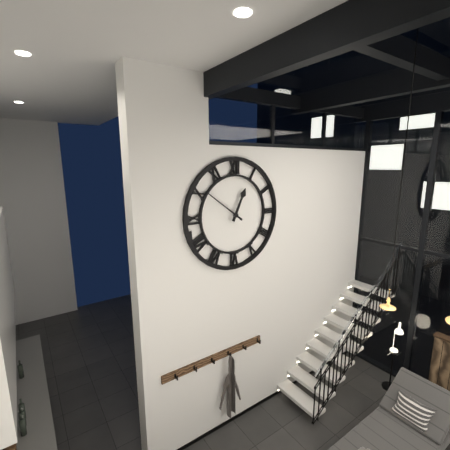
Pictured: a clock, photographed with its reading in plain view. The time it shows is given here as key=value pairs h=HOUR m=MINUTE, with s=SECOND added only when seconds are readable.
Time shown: h=12 m=51
